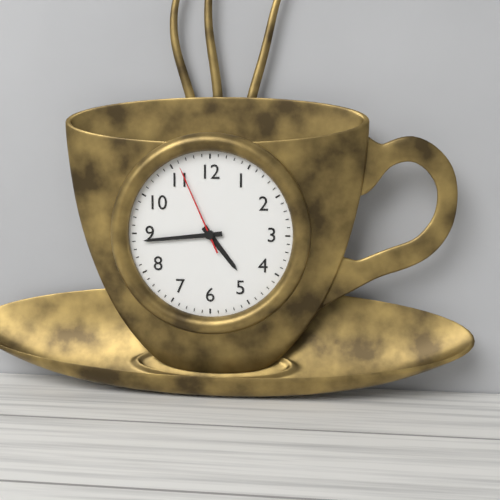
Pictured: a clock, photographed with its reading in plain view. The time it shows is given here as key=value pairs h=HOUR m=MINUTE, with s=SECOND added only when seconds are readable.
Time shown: h=4 m=44 s=56
